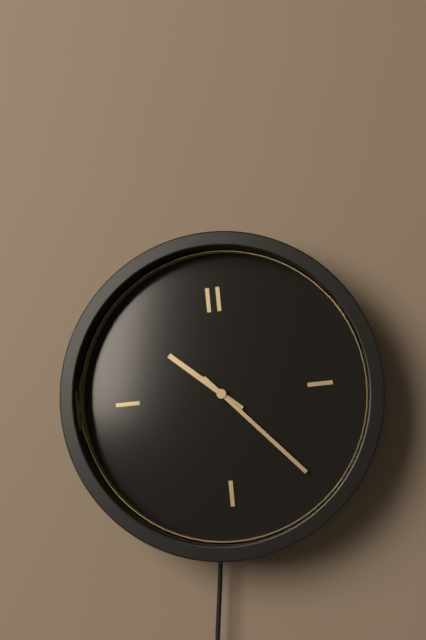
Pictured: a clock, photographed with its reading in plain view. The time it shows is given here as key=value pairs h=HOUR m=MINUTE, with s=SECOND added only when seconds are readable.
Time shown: h=10 m=23
